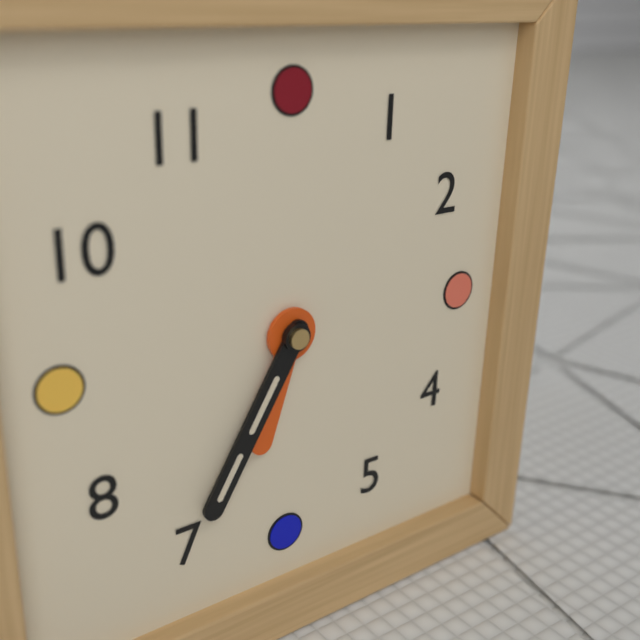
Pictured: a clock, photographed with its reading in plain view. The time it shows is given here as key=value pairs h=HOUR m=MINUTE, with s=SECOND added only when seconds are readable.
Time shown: h=6 m=35
